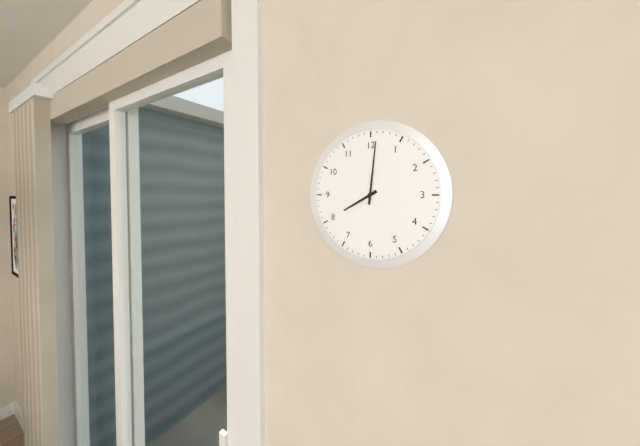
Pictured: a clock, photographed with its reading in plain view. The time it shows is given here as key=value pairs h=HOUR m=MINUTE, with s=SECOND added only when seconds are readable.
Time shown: h=8 m=1
